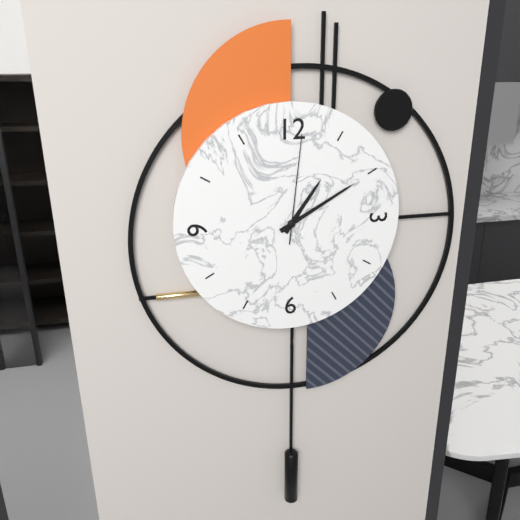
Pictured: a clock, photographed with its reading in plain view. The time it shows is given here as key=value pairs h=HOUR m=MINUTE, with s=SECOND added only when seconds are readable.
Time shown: h=1 m=10 s=1
